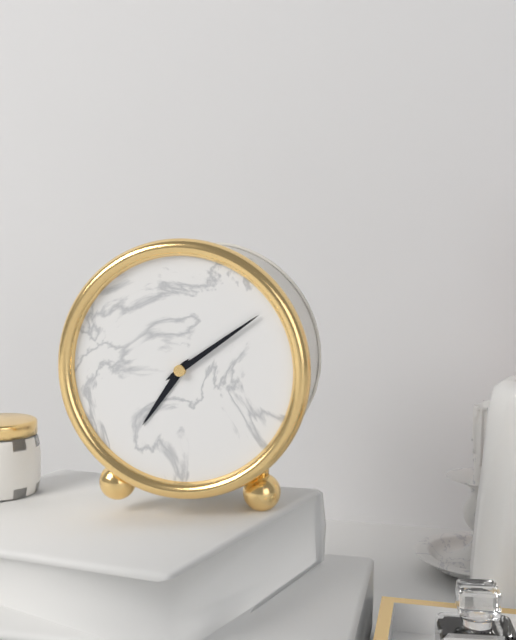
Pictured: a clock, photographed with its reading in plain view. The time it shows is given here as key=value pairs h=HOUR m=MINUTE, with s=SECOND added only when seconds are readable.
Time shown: h=7 m=9
